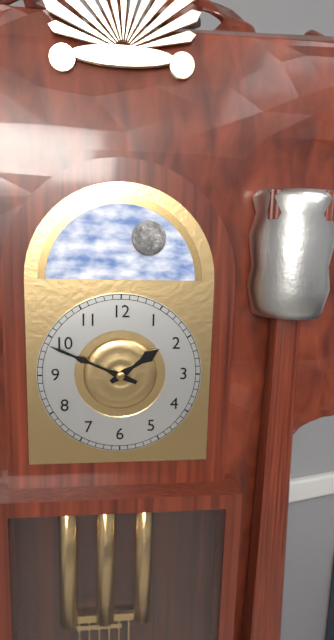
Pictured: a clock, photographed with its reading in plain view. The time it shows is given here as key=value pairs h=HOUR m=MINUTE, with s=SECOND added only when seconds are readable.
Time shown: h=1 m=49
